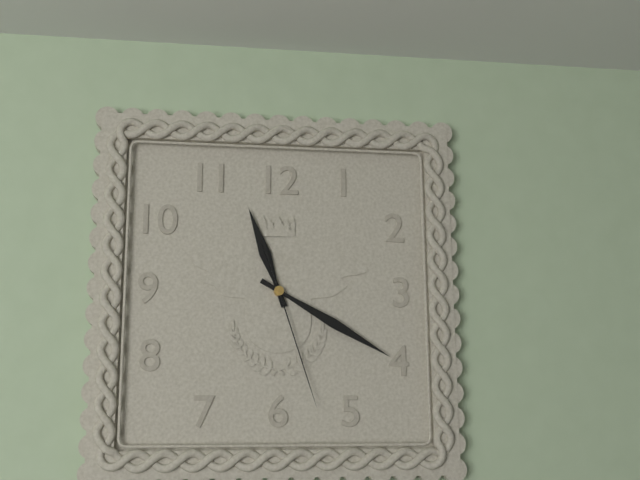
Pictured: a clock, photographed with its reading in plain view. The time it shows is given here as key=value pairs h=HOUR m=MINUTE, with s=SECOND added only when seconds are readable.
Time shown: h=11 m=20 s=27
